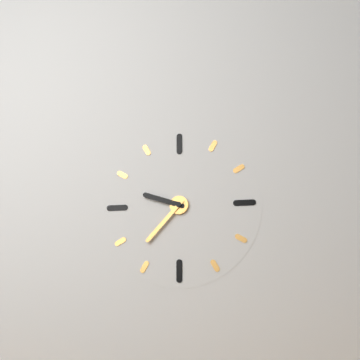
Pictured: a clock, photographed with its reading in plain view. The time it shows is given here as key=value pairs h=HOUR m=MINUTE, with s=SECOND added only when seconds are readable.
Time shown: h=9 m=37
